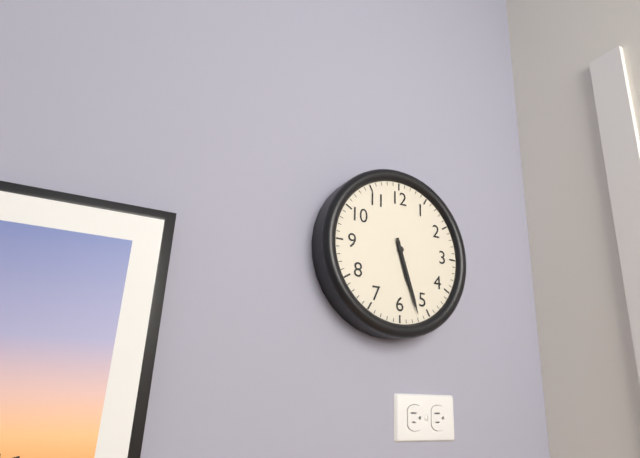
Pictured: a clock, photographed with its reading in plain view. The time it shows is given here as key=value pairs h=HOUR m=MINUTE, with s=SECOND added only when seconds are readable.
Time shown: h=5 m=27
